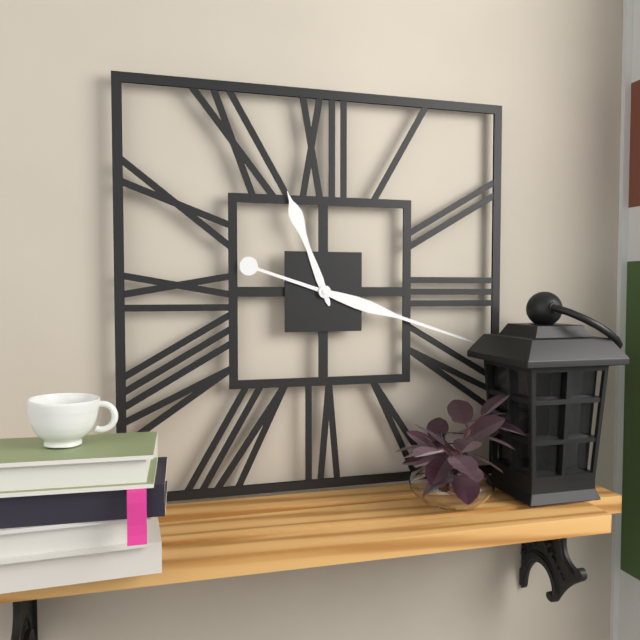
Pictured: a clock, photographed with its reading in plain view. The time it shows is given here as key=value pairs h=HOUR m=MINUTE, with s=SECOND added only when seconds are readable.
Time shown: h=11 m=18
